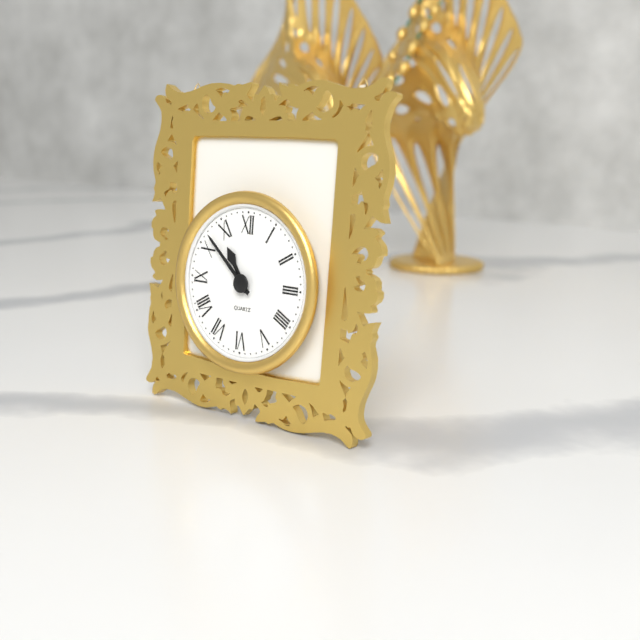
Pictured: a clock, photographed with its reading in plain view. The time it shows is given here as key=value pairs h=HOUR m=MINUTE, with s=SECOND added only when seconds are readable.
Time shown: h=10 m=52
